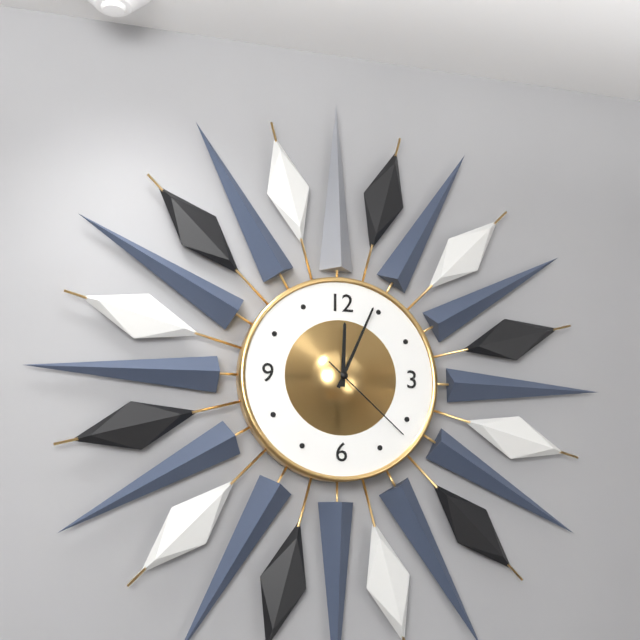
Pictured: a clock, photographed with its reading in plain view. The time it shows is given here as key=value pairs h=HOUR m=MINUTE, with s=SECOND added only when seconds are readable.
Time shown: h=12 m=4 s=22
